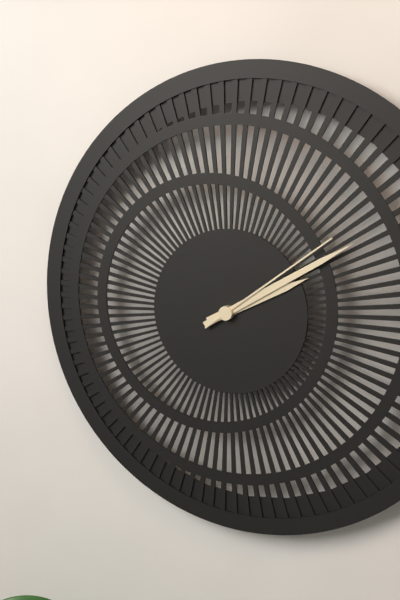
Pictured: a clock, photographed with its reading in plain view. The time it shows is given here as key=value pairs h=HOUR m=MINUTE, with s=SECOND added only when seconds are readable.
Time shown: h=2 m=10 s=9
